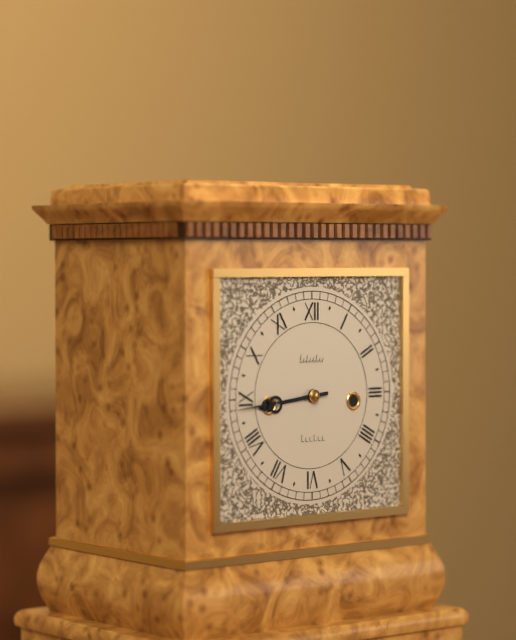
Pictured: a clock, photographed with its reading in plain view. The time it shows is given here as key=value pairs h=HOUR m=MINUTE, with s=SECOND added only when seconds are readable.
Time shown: h=8 m=44
